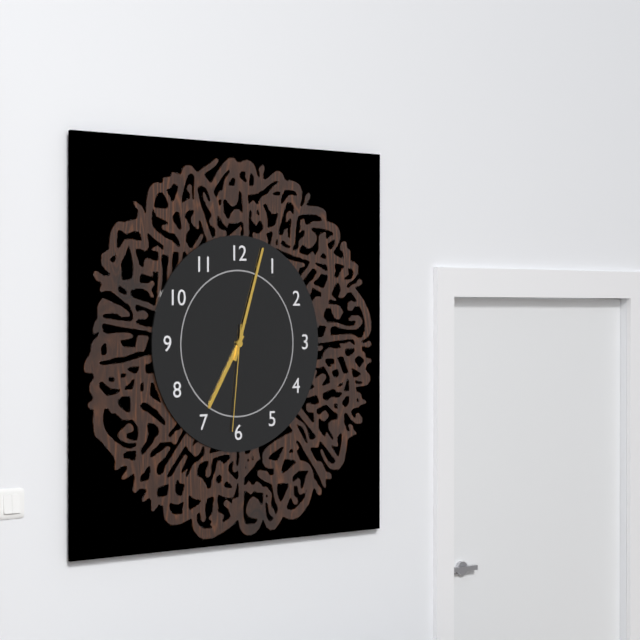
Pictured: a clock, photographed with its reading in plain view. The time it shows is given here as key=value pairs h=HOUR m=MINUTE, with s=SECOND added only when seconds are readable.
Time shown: h=7 m=3 s=31
